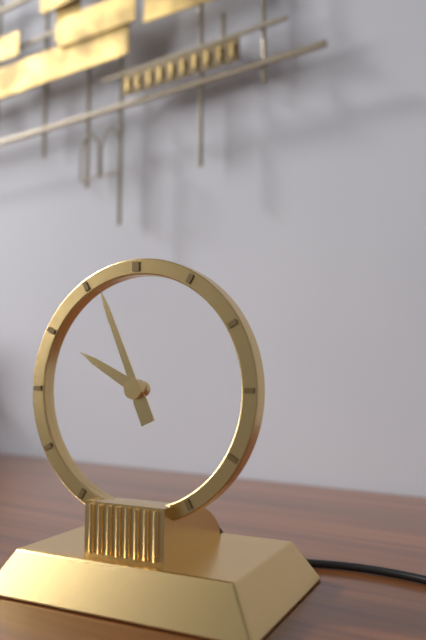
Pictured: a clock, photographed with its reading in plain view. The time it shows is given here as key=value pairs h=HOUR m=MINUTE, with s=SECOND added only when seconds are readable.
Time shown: h=9 m=56
